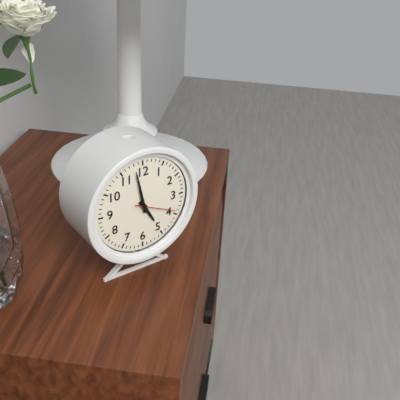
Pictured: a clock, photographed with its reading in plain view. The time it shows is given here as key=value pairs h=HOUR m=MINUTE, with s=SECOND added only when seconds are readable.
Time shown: h=4 m=58
